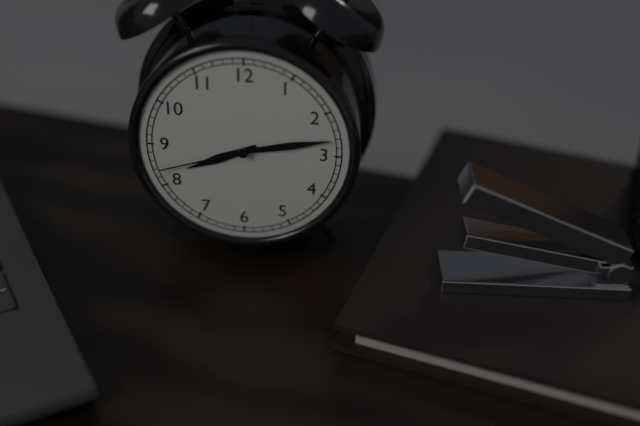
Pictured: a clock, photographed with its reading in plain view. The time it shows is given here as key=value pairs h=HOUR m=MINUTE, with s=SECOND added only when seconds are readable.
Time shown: h=8 m=13 s=42
